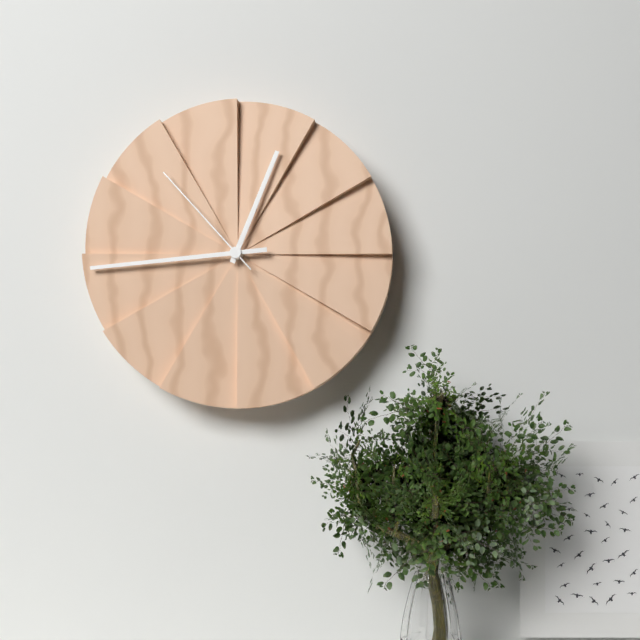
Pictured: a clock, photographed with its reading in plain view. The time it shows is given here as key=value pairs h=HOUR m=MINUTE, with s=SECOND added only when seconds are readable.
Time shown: h=12 m=44 s=53
